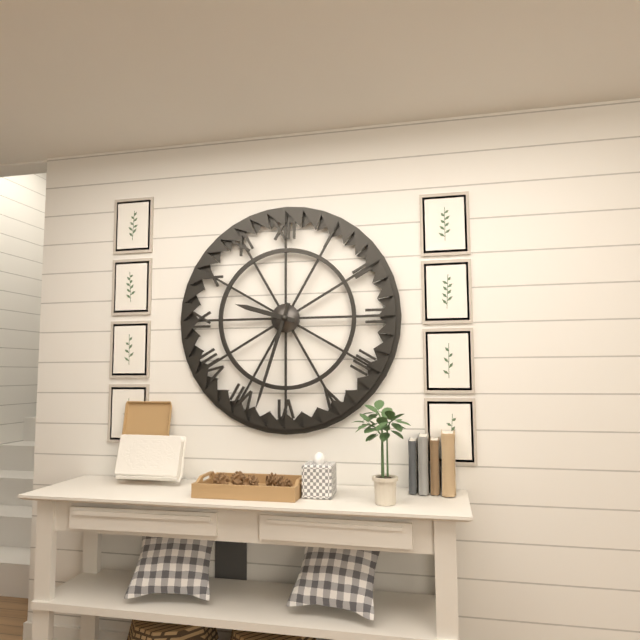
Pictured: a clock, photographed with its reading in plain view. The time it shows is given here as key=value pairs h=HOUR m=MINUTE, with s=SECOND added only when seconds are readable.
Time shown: h=9 m=33
